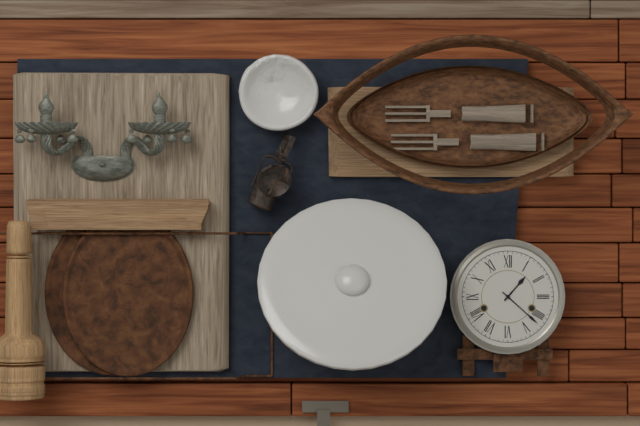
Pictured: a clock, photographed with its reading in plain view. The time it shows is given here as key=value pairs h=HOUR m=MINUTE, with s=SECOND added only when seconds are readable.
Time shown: h=1 m=22
